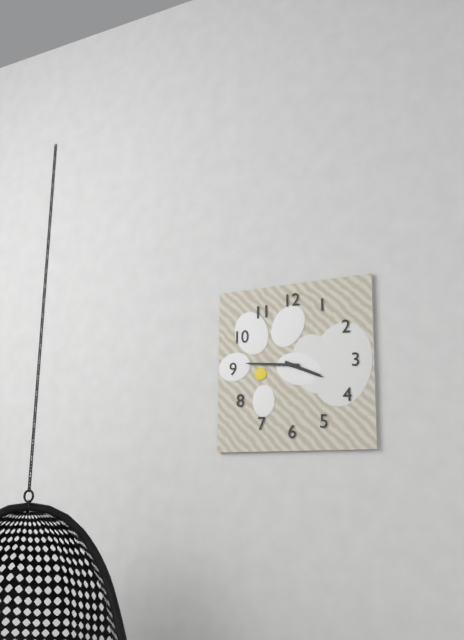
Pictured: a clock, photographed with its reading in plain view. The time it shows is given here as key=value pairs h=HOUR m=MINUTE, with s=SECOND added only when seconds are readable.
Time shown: h=3 m=46
